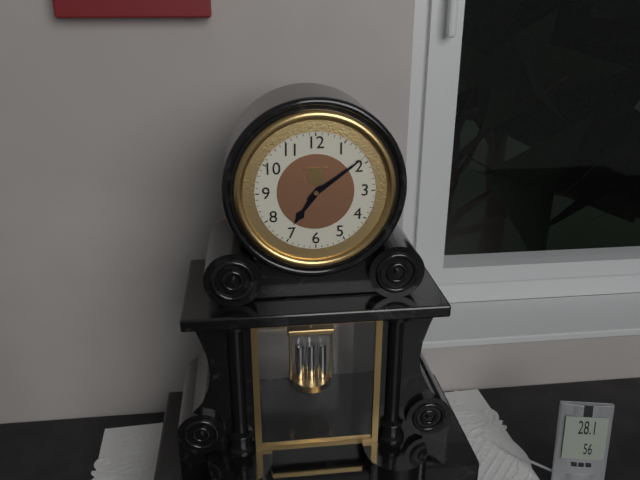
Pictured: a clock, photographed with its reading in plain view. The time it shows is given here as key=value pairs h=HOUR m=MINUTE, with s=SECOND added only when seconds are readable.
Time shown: h=7 m=9
